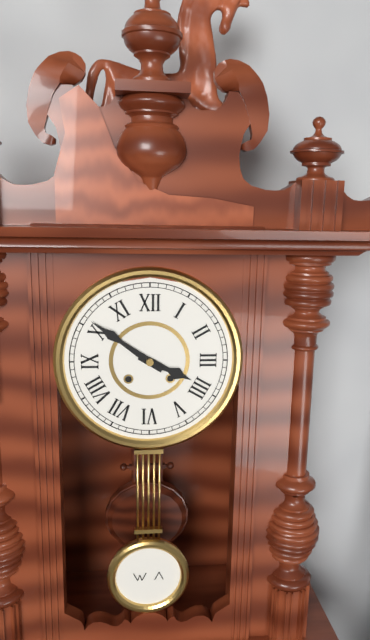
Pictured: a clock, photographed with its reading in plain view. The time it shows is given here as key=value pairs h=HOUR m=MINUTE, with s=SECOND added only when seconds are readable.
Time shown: h=3 m=51
